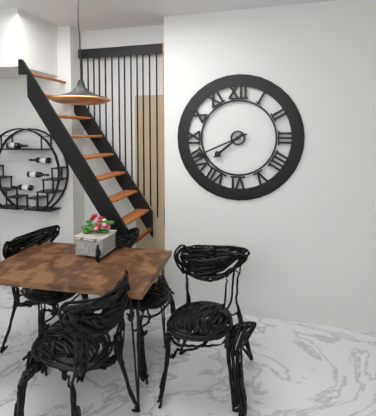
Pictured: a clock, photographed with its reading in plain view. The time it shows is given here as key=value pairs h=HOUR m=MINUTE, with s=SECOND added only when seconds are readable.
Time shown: h=7 m=41
